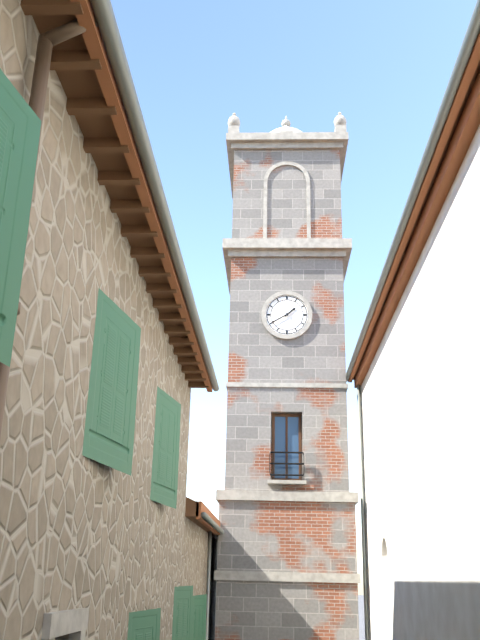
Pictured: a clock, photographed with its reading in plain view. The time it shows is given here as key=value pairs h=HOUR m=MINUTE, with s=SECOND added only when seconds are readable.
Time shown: h=1 m=40
